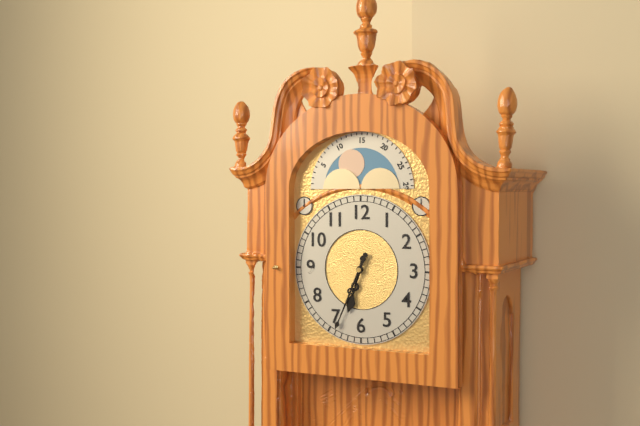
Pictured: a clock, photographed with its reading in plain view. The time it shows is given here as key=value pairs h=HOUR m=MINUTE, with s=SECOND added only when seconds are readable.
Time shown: h=6 m=34
